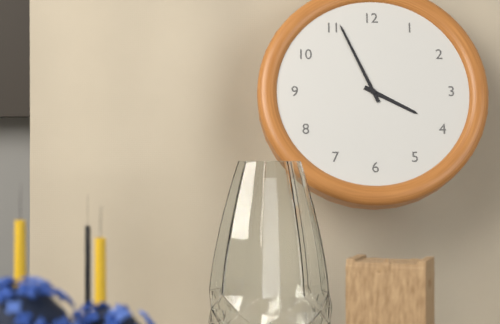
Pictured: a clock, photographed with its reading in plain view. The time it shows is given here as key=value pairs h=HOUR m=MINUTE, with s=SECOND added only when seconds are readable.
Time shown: h=3 m=56
